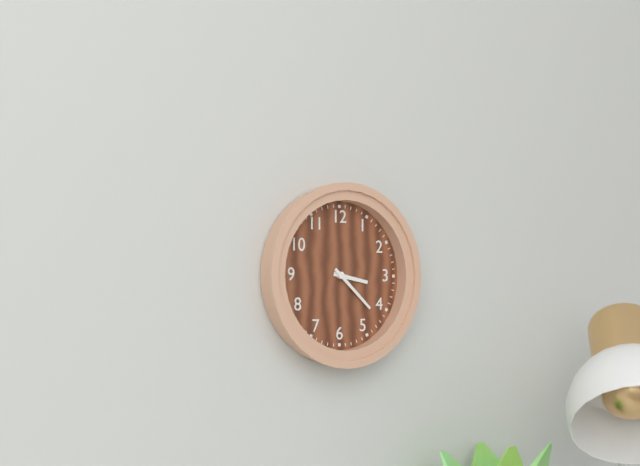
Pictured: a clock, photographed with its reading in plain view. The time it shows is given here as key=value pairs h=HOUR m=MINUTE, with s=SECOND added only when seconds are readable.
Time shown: h=3 m=22
